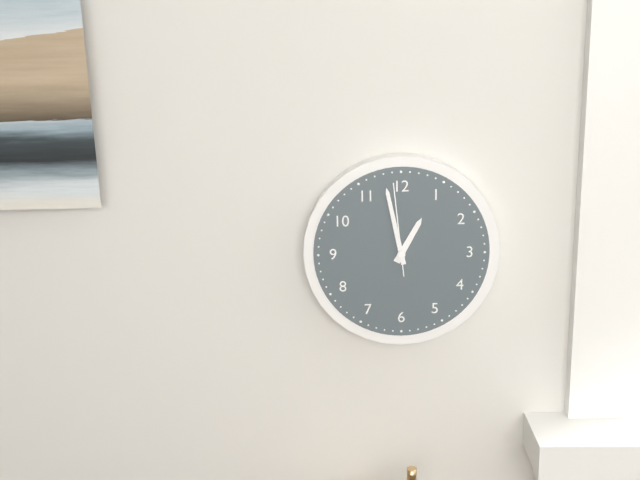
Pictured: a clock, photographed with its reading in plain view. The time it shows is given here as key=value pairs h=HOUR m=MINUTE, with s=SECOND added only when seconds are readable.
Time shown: h=12 m=58 s=59
